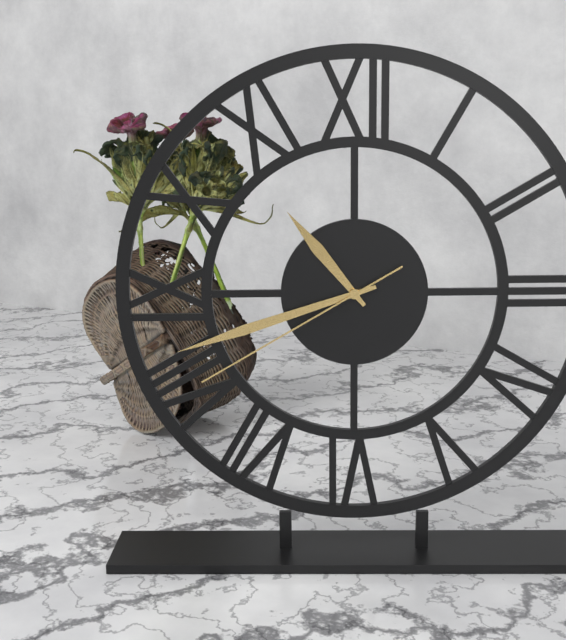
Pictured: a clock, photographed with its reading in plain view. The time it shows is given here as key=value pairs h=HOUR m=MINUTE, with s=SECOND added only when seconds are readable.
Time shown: h=10 m=42 s=40
